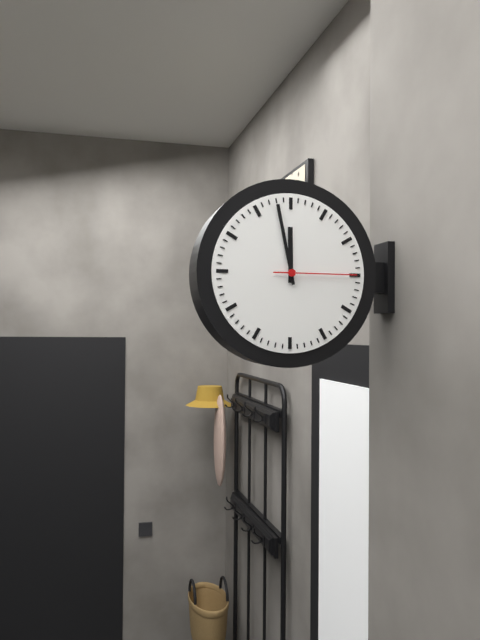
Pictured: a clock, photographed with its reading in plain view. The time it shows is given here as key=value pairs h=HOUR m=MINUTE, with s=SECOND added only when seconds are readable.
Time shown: h=11 m=58 s=15
